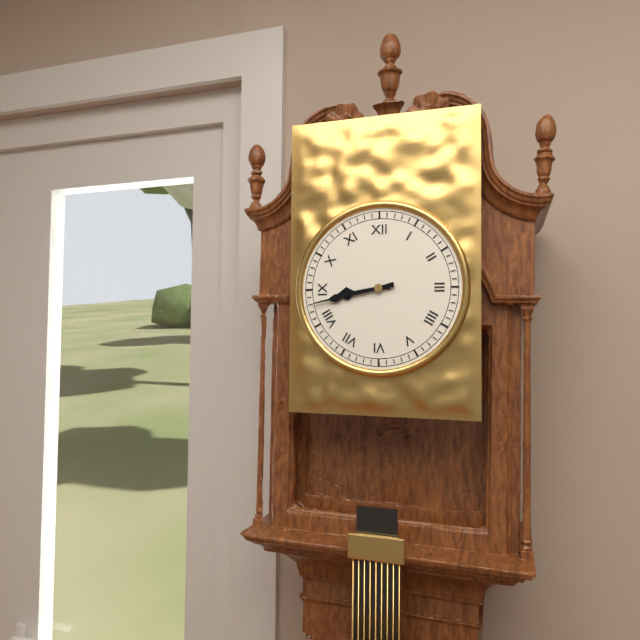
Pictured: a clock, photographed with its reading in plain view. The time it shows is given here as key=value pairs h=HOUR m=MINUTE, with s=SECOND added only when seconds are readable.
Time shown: h=8 m=43
